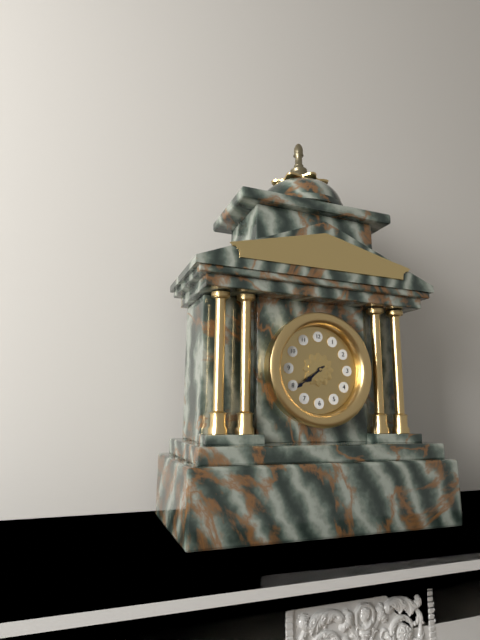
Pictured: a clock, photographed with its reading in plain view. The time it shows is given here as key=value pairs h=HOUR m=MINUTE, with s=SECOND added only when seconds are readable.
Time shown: h=7 m=39
